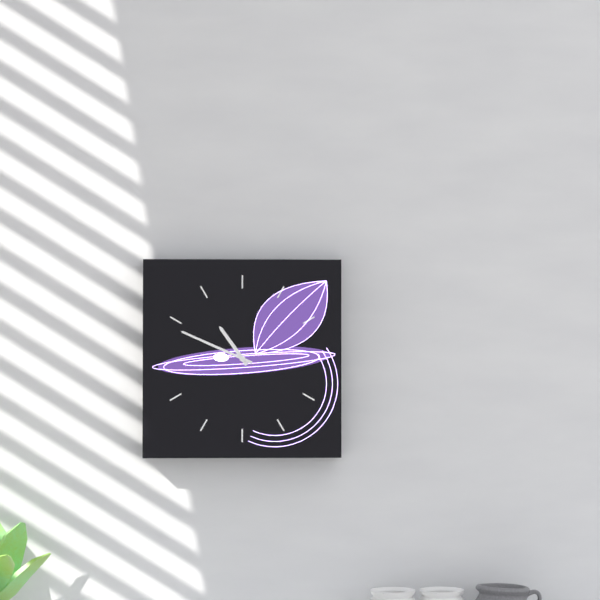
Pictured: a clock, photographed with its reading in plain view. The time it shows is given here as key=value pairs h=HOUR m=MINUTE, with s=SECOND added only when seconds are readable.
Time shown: h=10 m=49
